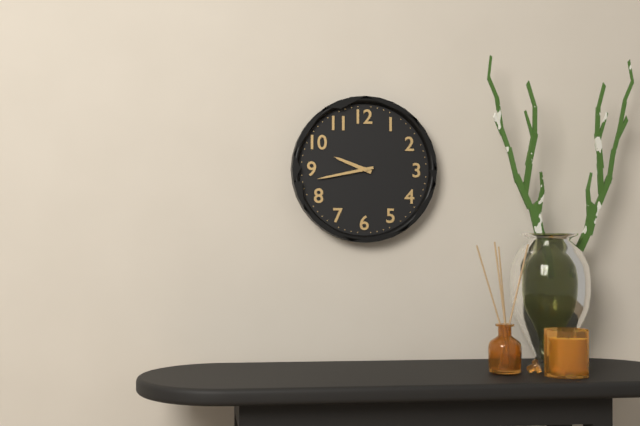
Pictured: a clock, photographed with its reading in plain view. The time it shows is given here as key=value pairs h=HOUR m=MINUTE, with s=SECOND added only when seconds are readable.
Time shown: h=9 m=43
